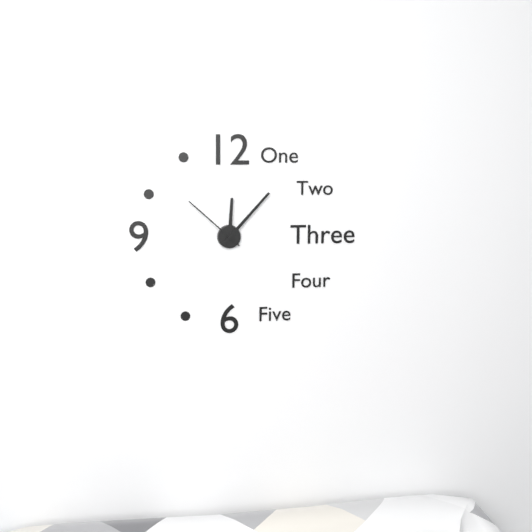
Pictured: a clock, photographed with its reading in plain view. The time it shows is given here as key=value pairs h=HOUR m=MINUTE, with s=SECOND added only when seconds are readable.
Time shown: h=12 m=7 s=52
